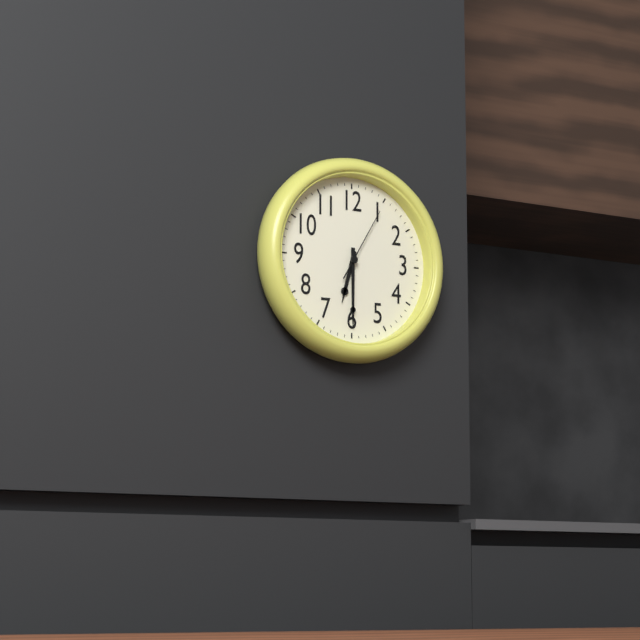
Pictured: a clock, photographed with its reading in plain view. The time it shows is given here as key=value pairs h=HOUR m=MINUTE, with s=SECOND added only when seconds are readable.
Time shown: h=6 m=30 s=5
